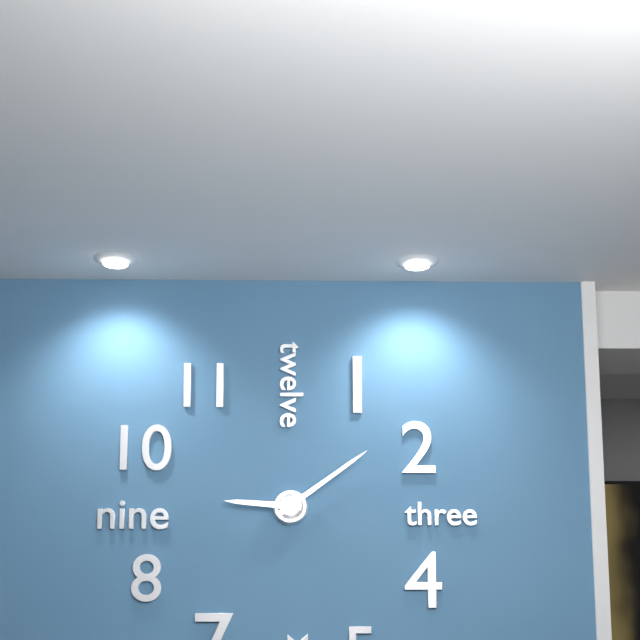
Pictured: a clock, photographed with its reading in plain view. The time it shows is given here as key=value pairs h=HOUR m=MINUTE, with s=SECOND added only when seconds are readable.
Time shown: h=9 m=9
